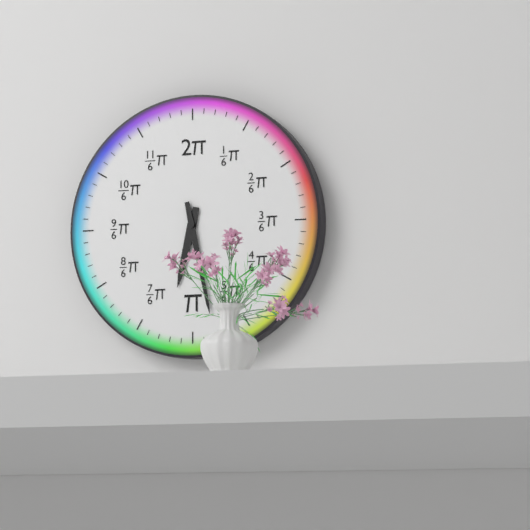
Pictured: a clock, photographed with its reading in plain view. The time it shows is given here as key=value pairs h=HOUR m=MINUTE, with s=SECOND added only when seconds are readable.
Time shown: h=6 m=28
